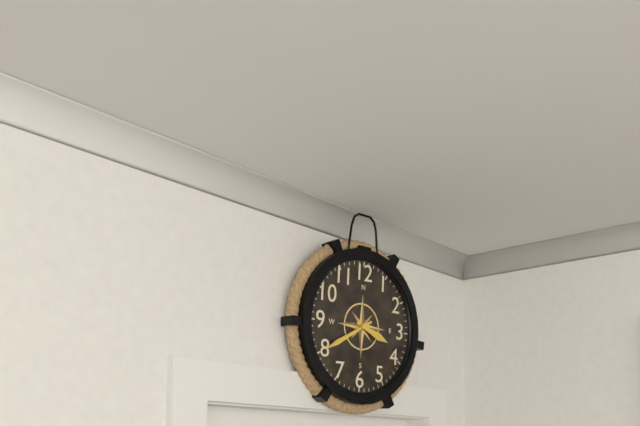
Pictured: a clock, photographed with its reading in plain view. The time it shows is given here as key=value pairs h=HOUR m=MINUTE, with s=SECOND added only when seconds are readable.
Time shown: h=3 m=40
